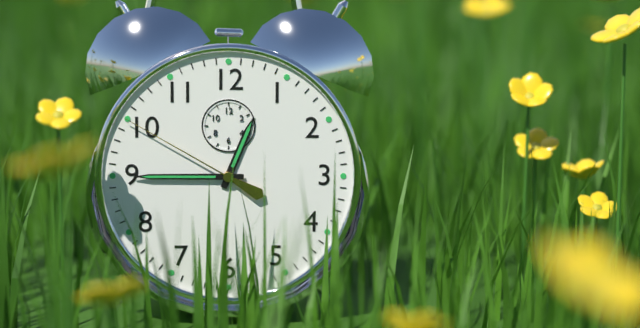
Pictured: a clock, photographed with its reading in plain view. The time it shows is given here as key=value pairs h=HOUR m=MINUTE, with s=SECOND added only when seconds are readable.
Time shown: h=12 m=45 s=50
